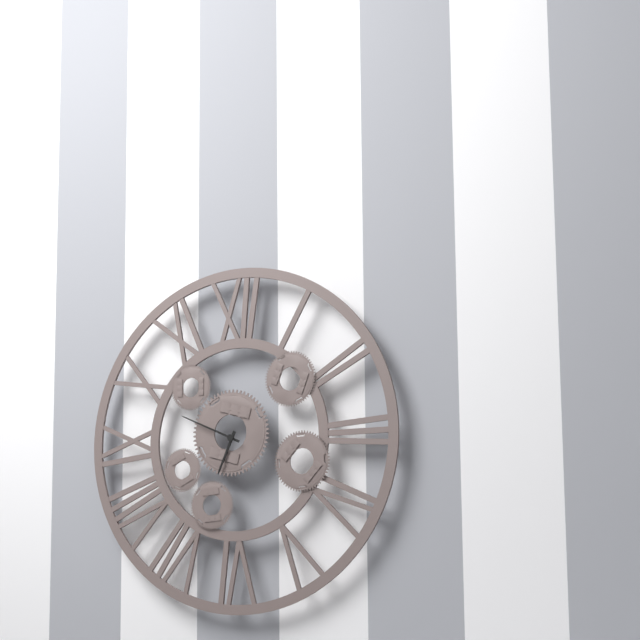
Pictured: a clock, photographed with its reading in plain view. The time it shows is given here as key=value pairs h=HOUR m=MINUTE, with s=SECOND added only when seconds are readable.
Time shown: h=6 m=49
